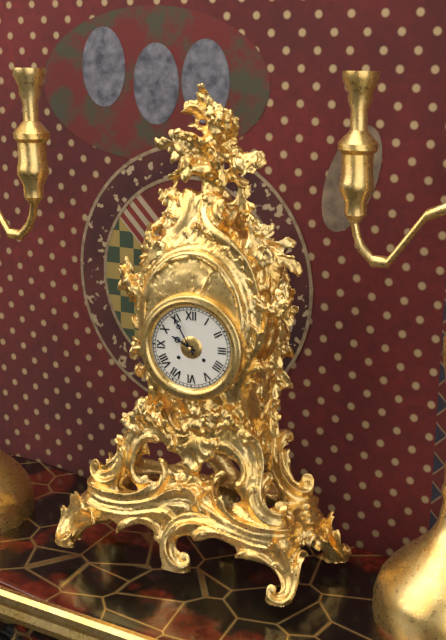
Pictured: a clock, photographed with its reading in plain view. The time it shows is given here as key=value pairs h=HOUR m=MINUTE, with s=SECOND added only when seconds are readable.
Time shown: h=9 m=55
